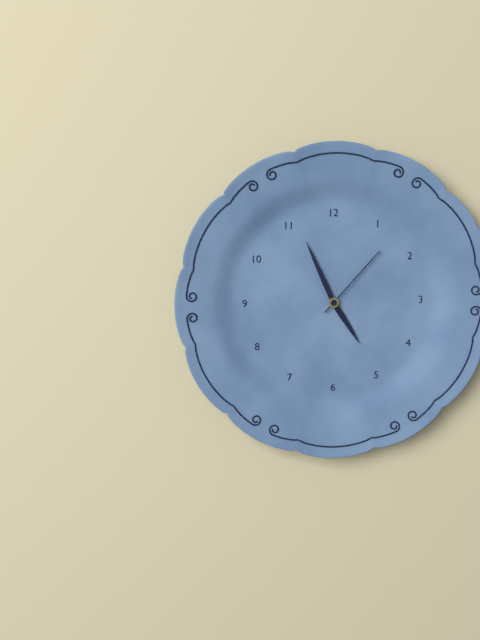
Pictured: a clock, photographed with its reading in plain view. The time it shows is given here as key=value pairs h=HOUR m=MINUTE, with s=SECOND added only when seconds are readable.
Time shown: h=4 m=56 s=7
